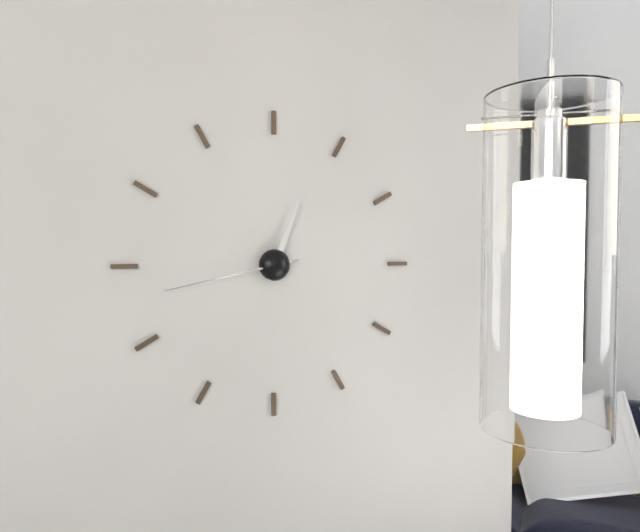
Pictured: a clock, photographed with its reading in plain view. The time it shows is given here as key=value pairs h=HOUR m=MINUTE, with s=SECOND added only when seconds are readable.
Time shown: h=12 m=43
